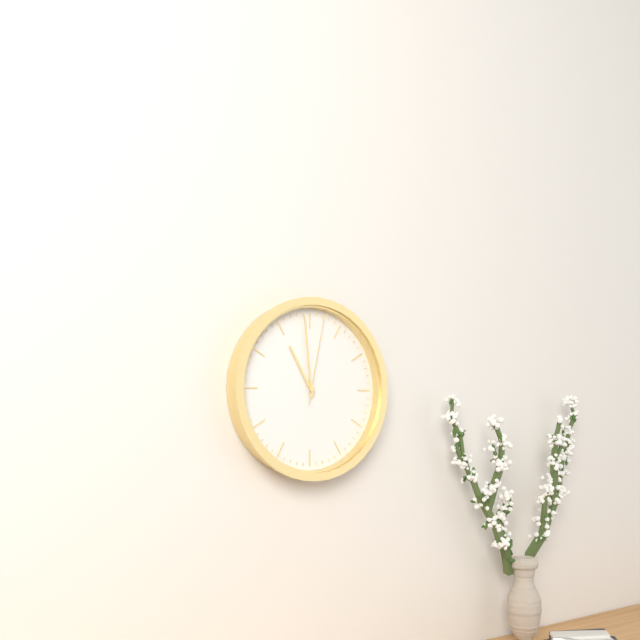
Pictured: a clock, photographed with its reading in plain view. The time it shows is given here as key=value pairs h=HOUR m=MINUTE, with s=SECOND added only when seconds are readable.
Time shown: h=10 m=59 s=2
